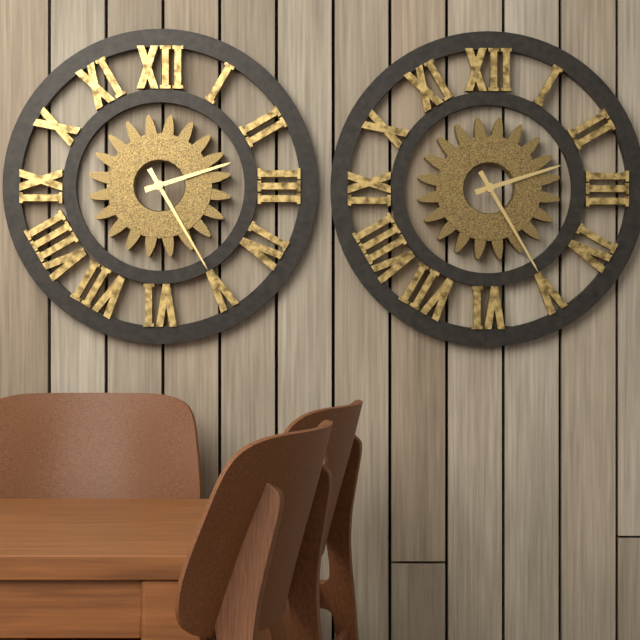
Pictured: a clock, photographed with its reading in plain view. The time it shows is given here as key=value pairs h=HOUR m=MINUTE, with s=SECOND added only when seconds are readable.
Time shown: h=2 m=25
